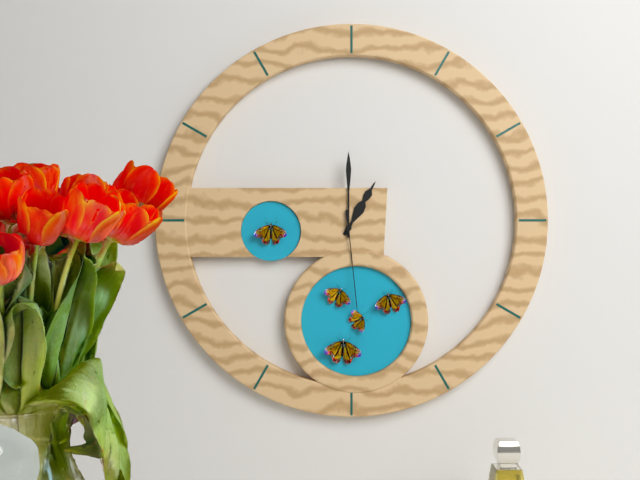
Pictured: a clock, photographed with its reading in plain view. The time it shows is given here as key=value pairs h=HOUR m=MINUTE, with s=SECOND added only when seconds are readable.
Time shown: h=1 m=0 s=29
